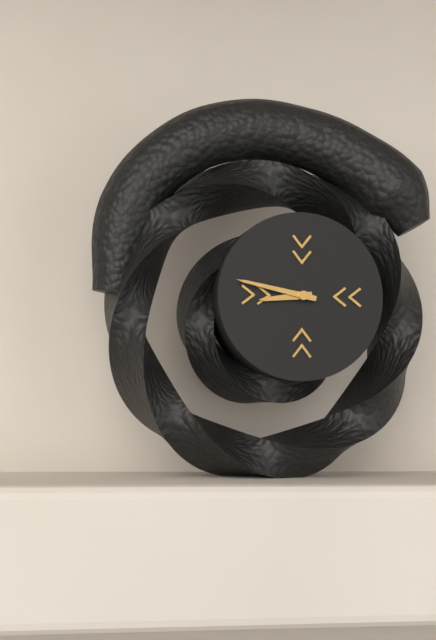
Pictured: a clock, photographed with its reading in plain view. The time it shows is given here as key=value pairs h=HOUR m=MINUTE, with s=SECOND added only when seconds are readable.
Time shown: h=8 m=47
